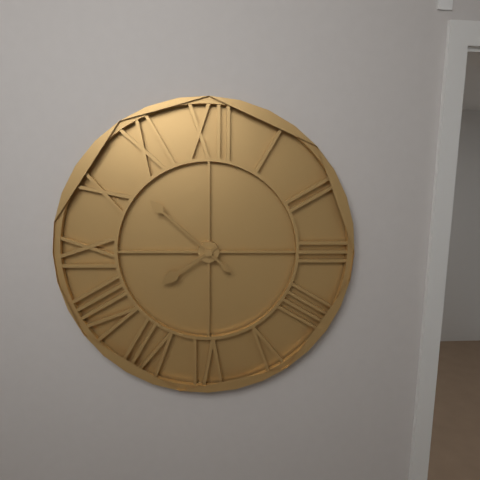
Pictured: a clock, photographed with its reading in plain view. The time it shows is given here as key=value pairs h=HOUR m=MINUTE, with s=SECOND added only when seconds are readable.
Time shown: h=7 m=52
